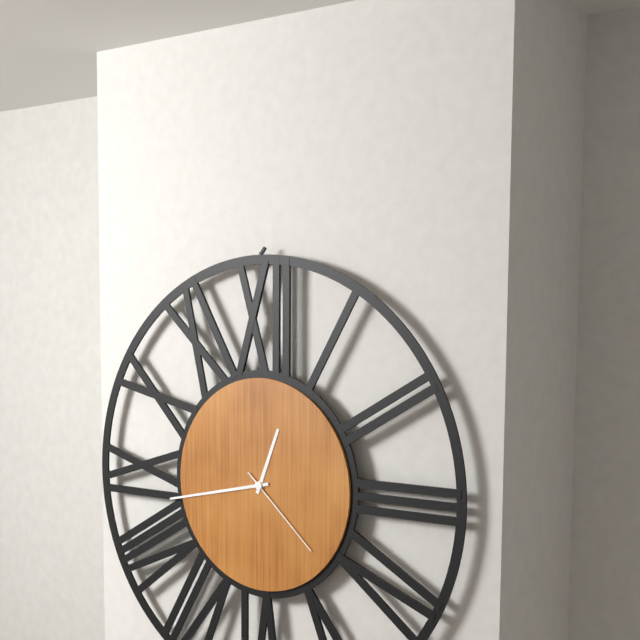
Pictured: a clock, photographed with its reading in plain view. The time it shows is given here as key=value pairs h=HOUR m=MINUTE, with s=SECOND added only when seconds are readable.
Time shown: h=12 m=43 s=22
